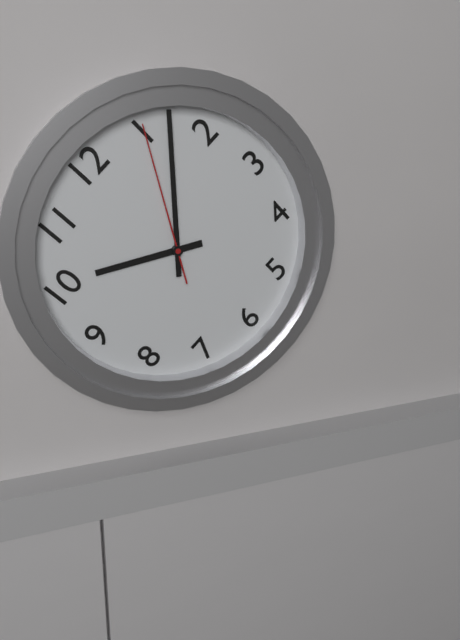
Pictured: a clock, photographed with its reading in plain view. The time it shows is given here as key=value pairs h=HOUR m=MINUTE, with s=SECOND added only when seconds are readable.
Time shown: h=10 m=7 s=5
